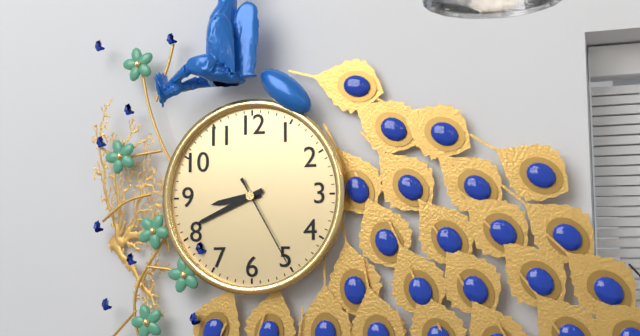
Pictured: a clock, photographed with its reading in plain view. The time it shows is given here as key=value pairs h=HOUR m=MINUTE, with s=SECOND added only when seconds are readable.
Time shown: h=8 m=41 s=25
